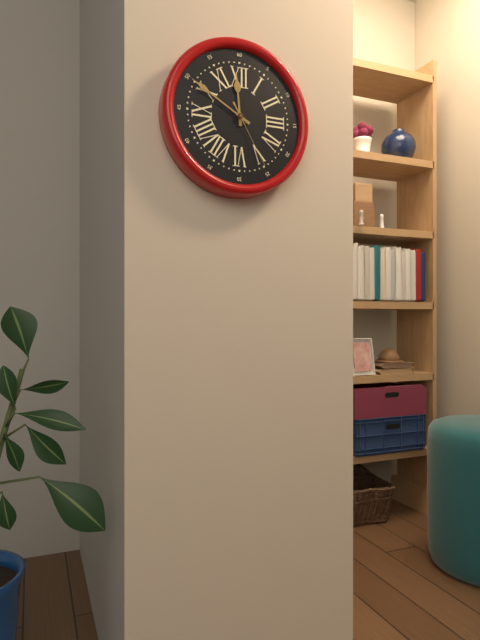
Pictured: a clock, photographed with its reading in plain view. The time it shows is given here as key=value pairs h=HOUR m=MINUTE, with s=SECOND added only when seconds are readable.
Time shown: h=11 m=50 s=25
